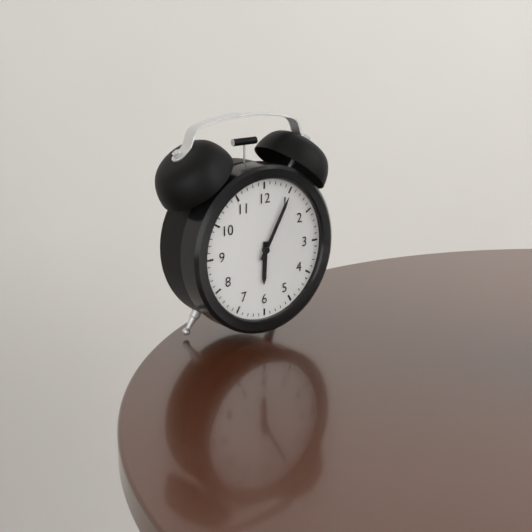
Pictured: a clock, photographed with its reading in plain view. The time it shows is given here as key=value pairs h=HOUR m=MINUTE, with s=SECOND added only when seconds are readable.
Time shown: h=6 m=5
